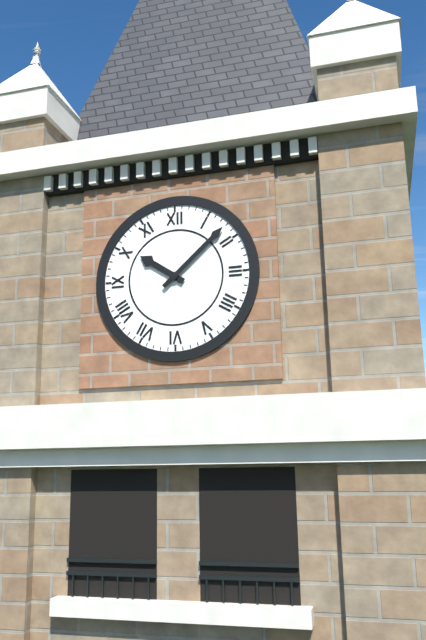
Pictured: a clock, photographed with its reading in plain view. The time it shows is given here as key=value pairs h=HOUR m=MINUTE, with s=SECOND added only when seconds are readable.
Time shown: h=10 m=8
